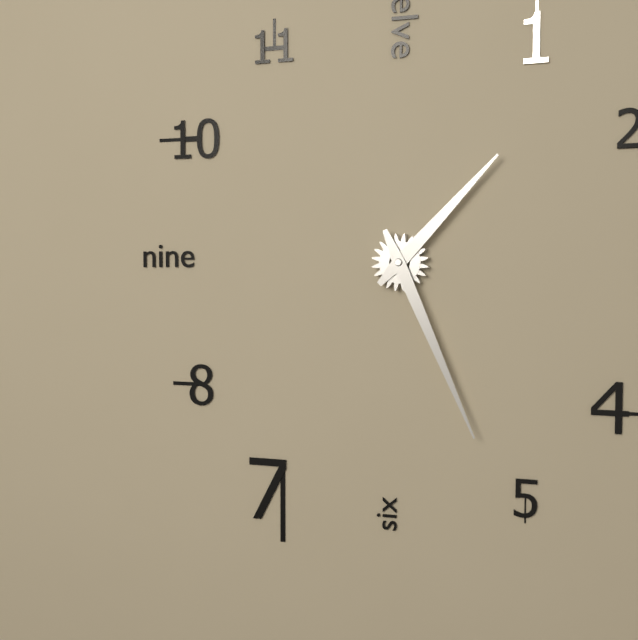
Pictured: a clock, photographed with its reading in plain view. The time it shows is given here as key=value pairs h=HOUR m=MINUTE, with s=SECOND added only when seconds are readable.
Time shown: h=1 m=26
